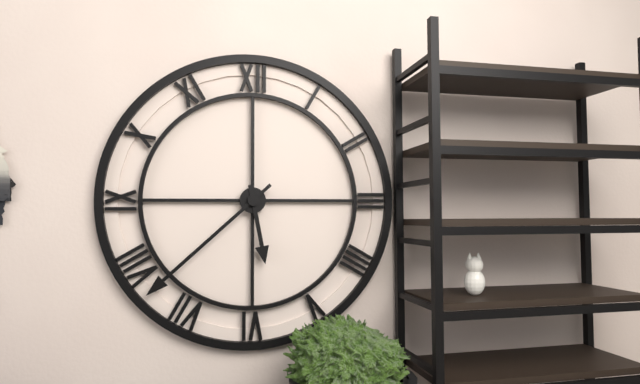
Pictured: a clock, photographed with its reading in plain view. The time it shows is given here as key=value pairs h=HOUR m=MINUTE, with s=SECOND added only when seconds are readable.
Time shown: h=5 m=38
